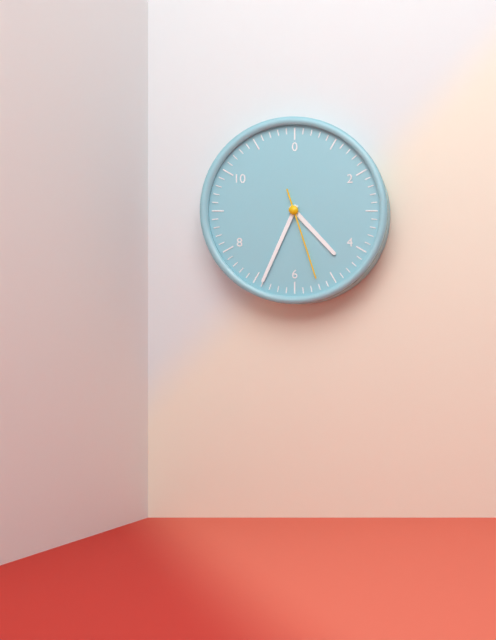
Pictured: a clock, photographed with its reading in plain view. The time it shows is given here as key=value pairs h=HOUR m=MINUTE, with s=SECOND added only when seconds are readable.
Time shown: h=4 m=34 s=27
